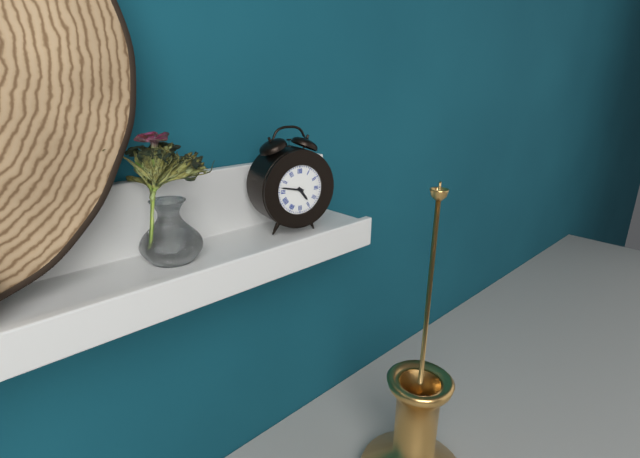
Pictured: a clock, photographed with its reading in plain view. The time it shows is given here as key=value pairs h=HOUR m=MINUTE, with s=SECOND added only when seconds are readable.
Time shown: h=4 m=47
